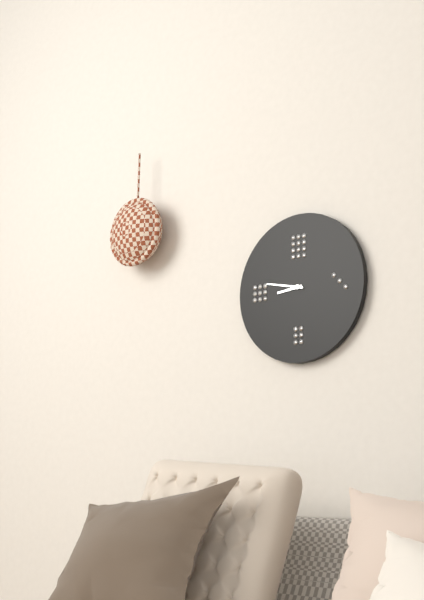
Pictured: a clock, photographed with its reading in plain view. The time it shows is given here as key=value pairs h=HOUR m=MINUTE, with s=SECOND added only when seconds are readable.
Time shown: h=8 m=47
